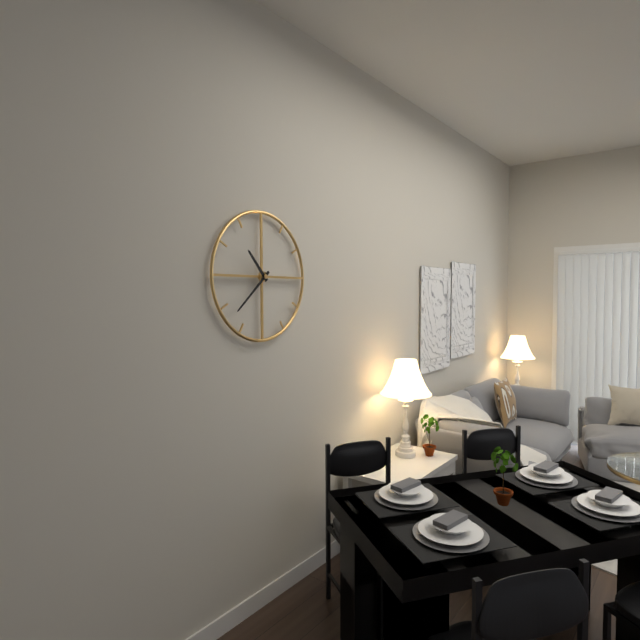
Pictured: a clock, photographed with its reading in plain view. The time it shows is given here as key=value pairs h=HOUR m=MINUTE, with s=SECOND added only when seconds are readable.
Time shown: h=10 m=38
